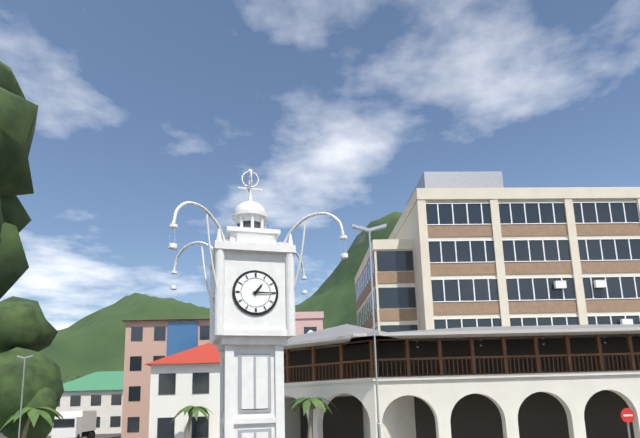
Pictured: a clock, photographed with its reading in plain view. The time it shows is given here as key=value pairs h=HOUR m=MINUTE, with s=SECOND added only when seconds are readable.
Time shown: h=1 m=15
